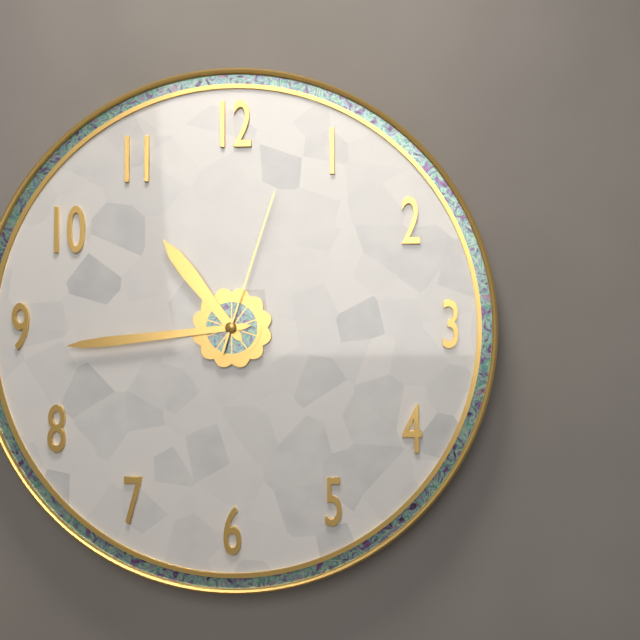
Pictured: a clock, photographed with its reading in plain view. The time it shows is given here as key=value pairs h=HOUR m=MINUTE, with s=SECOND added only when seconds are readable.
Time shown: h=10 m=44 s=3
